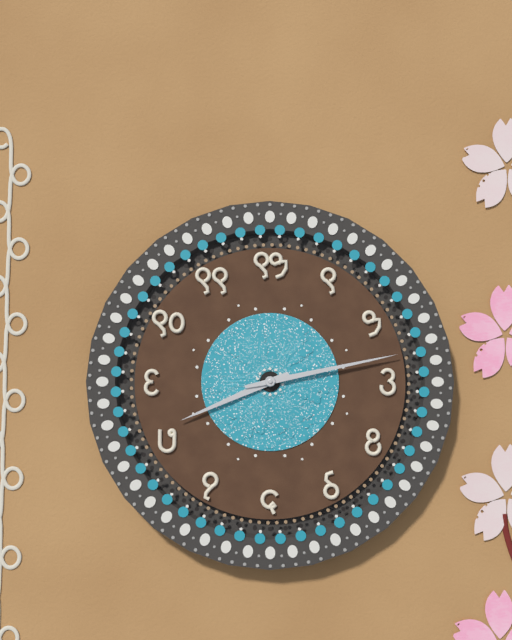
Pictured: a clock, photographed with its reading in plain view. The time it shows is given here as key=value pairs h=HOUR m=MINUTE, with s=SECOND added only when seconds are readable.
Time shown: h=8 m=13
